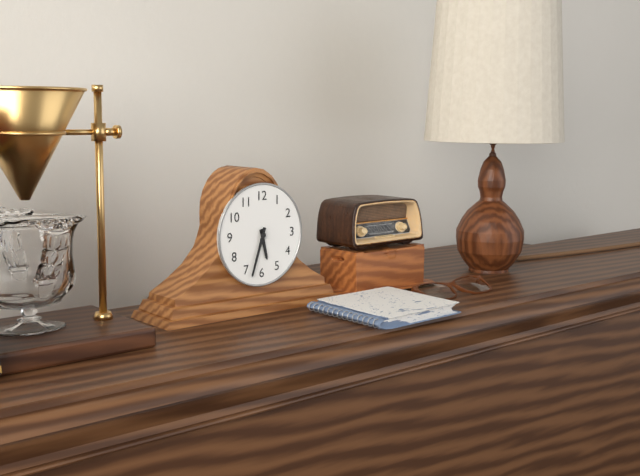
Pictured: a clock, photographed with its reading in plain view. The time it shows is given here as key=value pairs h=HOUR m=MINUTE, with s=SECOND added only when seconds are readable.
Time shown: h=5 m=33
